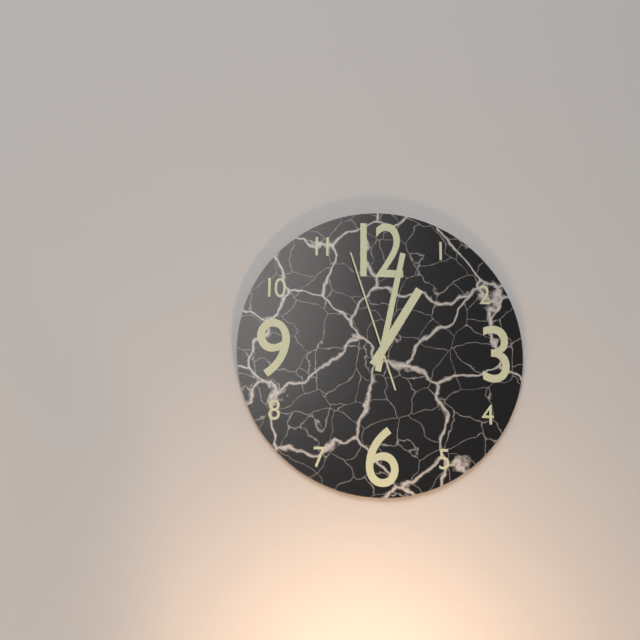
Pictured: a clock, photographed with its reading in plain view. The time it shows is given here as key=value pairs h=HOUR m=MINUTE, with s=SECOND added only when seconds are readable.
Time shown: h=1 m=2 s=57
